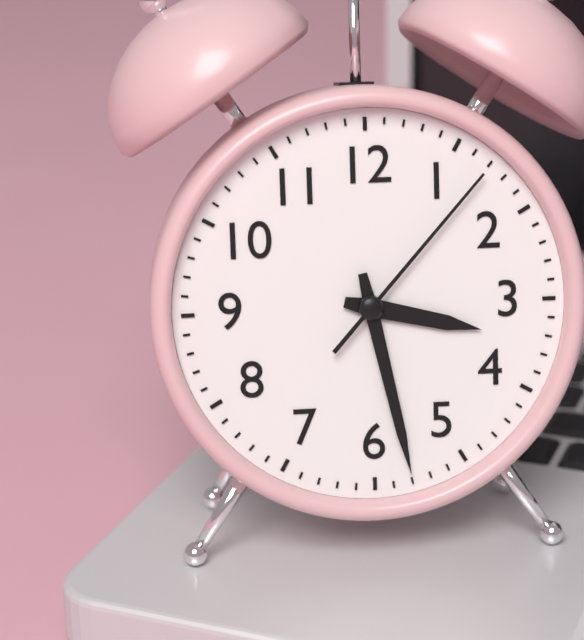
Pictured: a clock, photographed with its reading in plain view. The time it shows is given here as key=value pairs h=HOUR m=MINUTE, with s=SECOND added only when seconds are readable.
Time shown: h=3 m=28 s=7
